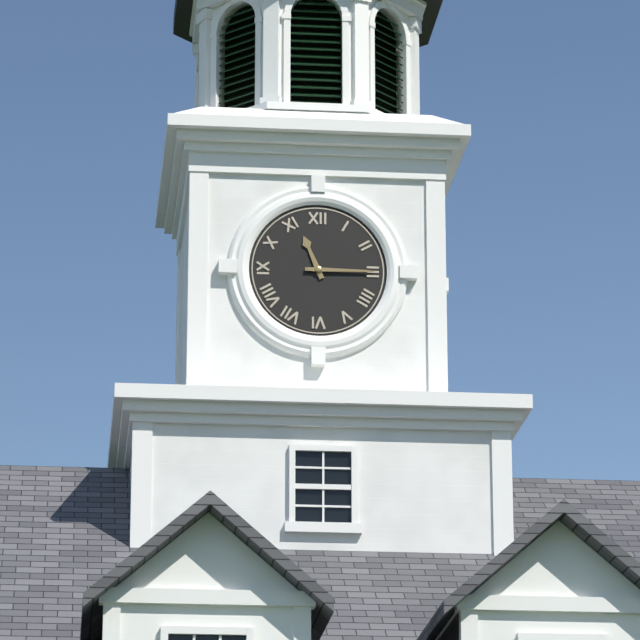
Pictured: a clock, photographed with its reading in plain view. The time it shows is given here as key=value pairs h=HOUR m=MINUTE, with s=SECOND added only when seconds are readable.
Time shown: h=11 m=15
